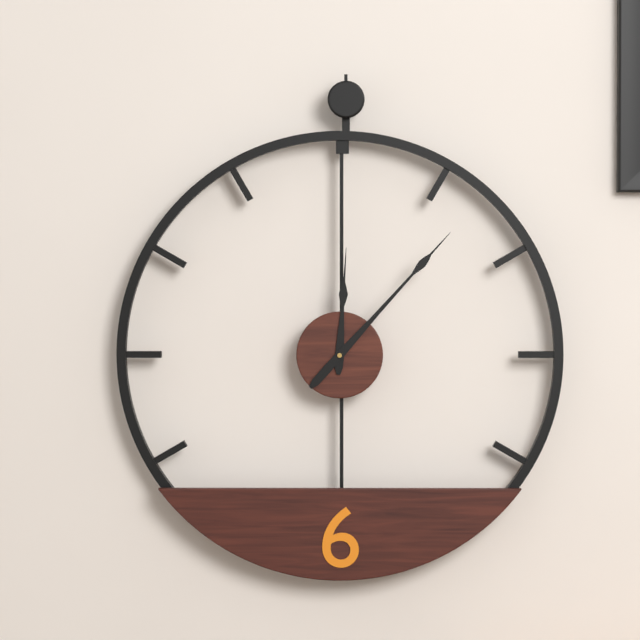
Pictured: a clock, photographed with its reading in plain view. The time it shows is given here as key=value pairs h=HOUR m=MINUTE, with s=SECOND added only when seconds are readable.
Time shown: h=12 m=7
